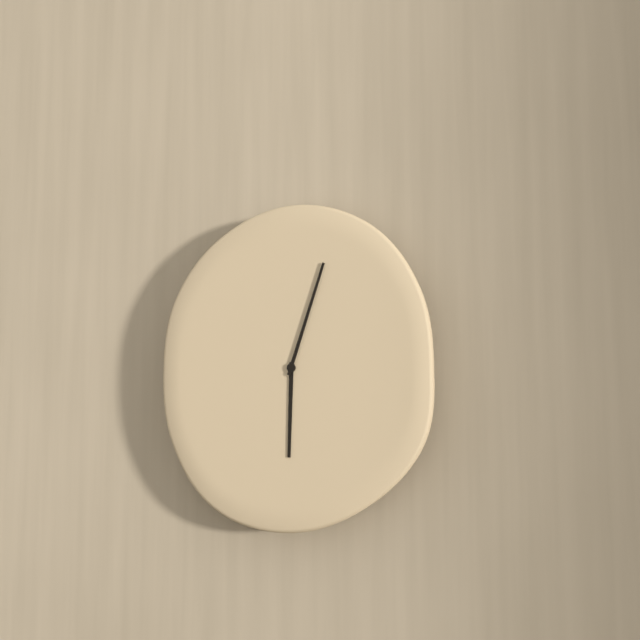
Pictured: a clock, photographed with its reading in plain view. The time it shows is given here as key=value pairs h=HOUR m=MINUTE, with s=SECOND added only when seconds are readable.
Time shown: h=6 m=3
